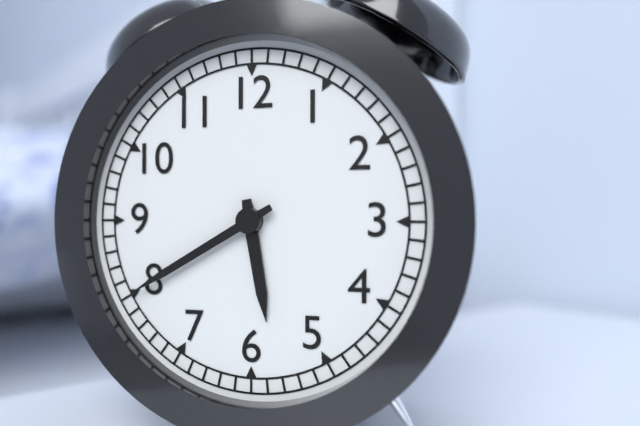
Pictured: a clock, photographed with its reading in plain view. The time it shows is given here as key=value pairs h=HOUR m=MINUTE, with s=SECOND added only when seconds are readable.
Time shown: h=5 m=40
